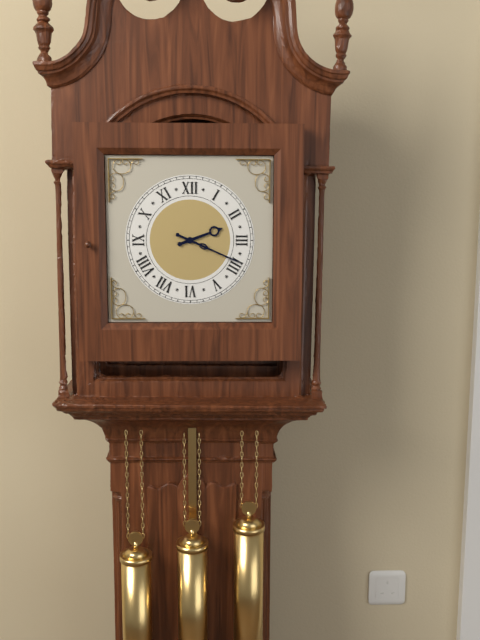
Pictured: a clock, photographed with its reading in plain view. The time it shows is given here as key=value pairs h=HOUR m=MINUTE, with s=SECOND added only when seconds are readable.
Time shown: h=2 m=19
